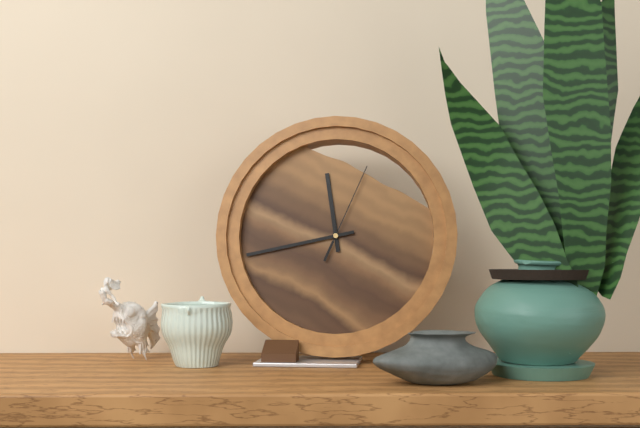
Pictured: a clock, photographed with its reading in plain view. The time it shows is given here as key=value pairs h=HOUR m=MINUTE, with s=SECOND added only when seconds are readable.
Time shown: h=11 m=43 s=4
